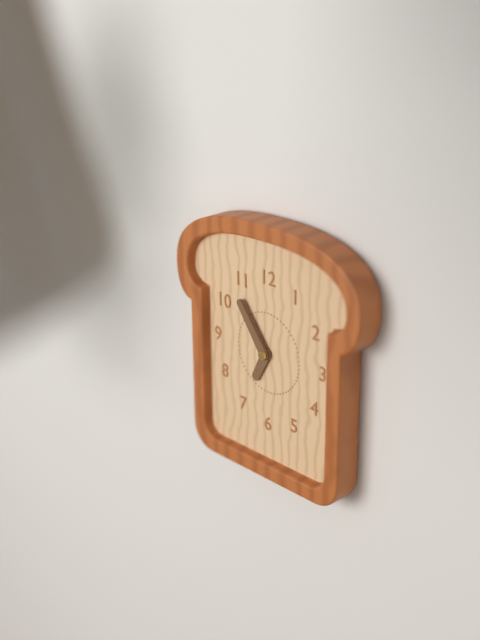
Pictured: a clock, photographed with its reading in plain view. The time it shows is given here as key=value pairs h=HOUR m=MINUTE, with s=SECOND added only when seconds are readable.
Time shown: h=6 m=54
